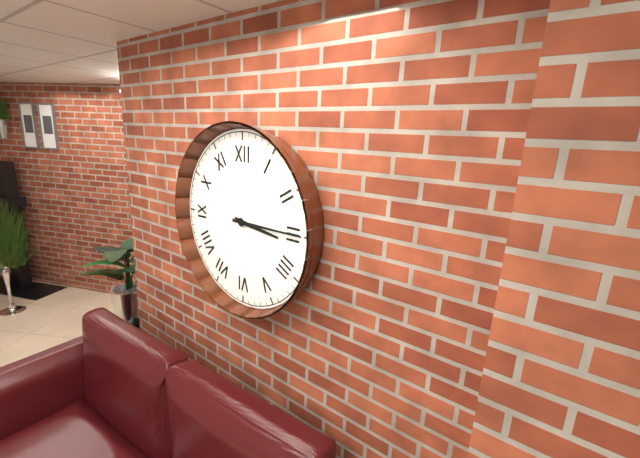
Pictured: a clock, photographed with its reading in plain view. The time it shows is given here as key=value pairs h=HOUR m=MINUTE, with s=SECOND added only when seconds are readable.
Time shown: h=3 m=15
